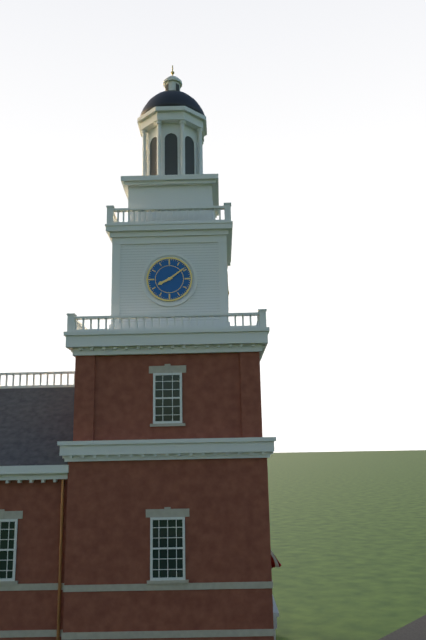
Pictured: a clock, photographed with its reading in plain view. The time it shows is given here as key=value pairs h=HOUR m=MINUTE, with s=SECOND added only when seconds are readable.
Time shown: h=8 m=9
